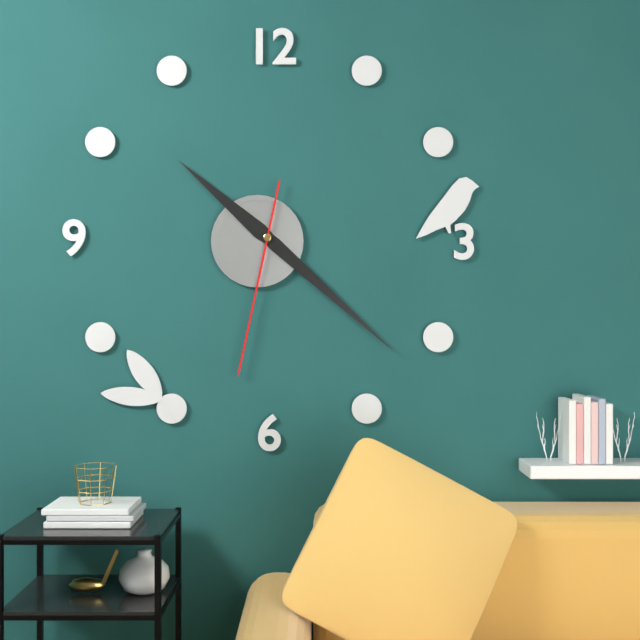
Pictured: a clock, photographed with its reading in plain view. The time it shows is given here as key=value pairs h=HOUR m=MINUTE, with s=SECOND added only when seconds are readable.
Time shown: h=10 m=22 s=32
